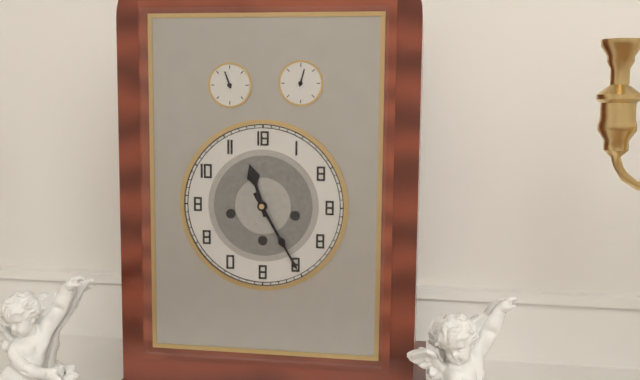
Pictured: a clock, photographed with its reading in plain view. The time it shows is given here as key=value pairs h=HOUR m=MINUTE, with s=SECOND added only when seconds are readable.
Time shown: h=11 m=25
